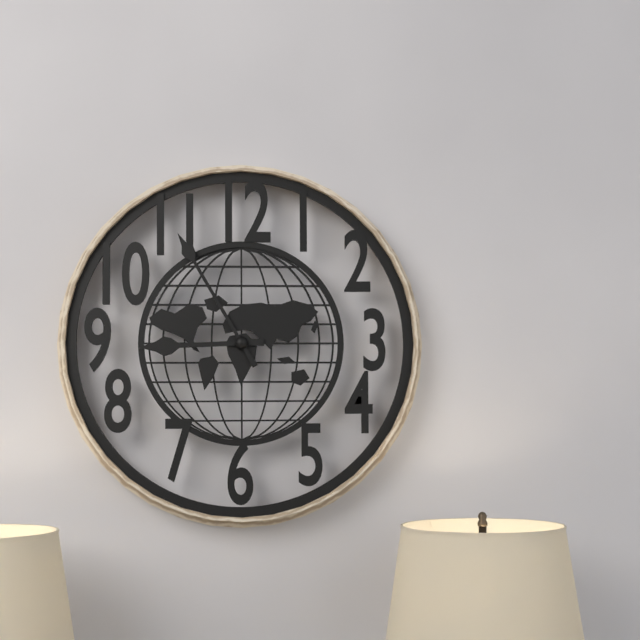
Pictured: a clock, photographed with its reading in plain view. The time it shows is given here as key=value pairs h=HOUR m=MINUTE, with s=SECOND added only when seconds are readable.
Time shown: h=8 m=55
